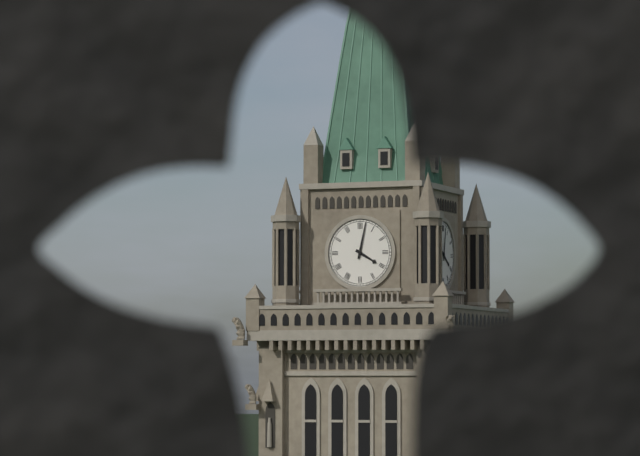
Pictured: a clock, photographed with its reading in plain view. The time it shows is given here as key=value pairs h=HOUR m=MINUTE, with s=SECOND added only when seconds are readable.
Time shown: h=4 m=2
